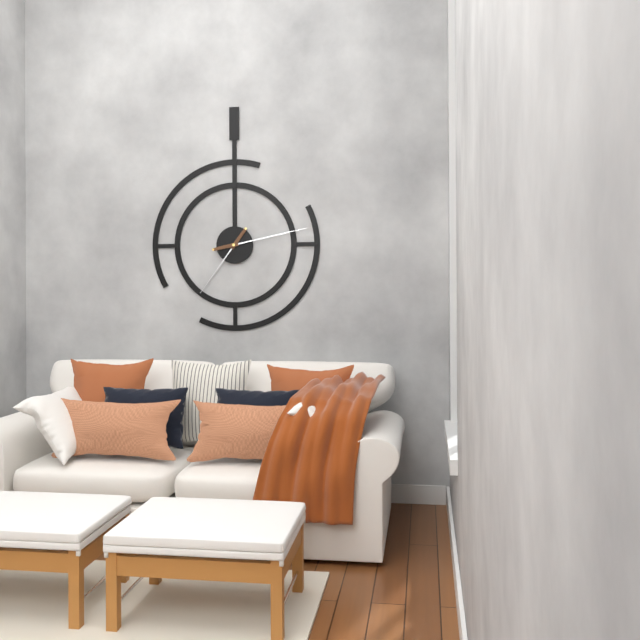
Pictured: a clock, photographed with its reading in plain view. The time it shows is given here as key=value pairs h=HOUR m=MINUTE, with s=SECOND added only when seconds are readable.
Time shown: h=7 m=13
